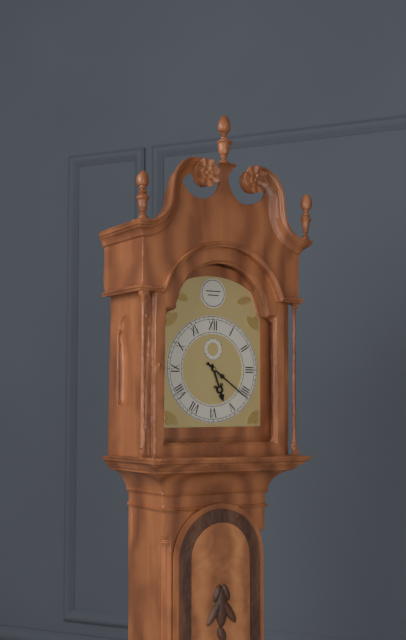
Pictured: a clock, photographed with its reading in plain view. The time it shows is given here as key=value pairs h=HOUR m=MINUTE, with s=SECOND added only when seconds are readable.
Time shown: h=5 m=21
